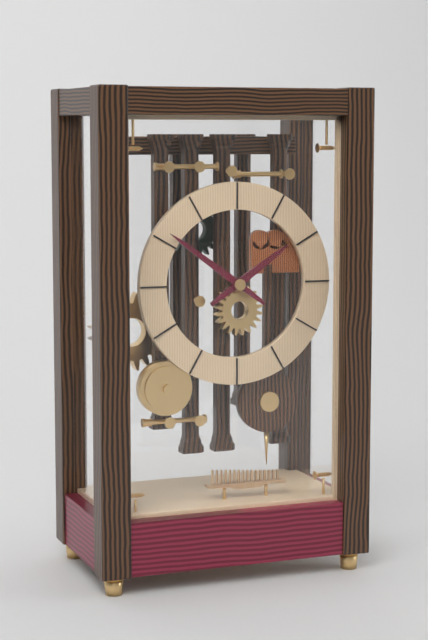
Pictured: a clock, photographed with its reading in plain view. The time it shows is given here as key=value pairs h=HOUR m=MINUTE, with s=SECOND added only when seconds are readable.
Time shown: h=1 m=51
